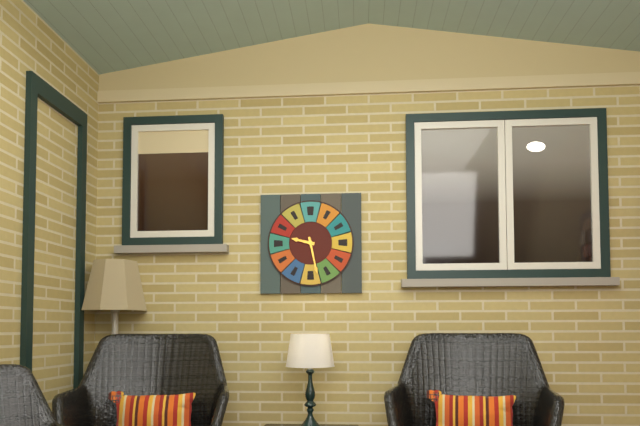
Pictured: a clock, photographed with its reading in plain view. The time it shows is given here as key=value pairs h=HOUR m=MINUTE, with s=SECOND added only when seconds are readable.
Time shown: h=9 m=28
